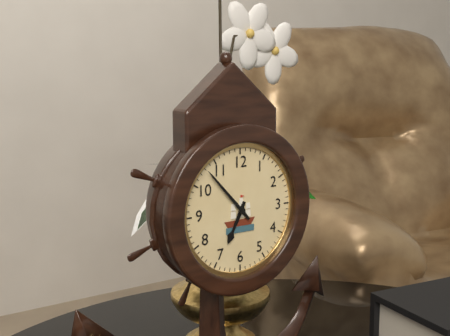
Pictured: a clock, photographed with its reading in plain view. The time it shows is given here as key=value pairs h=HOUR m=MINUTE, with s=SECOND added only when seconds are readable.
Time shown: h=6 m=53
